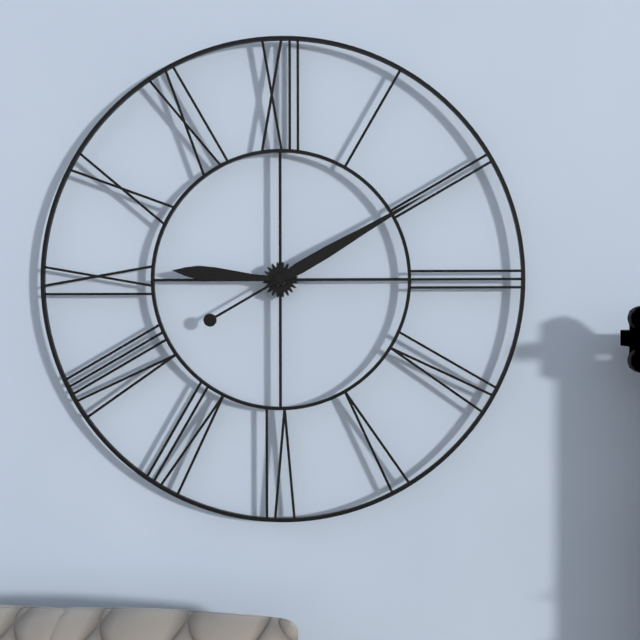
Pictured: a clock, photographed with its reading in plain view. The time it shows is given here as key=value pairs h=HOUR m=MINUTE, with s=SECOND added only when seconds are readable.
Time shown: h=9 m=10
